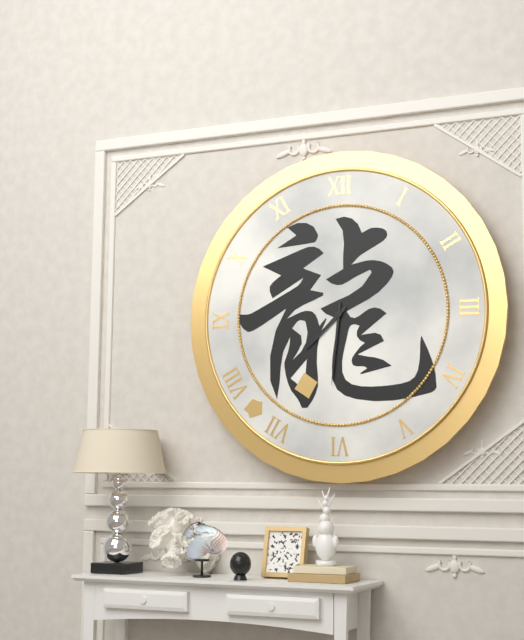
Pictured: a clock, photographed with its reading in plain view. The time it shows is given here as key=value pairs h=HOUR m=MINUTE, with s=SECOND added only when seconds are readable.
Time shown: h=7 m=31
